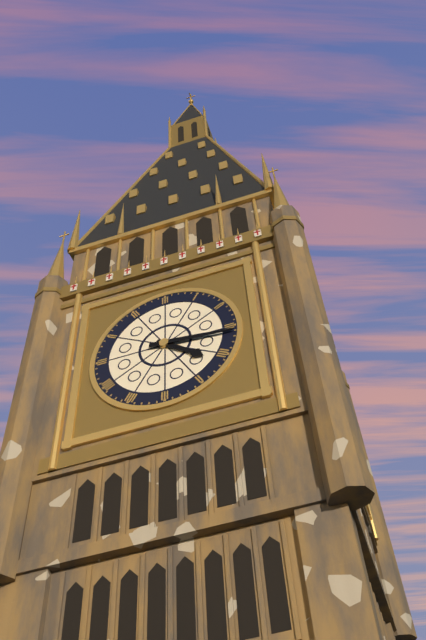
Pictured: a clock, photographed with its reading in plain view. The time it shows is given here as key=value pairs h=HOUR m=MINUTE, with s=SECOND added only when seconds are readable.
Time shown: h=4 m=16
